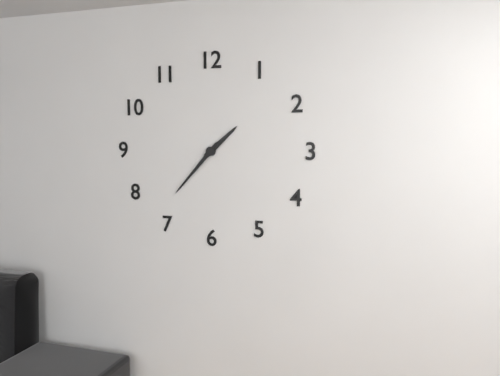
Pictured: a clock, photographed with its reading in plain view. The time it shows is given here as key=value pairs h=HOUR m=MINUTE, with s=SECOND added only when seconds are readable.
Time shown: h=1 m=37
